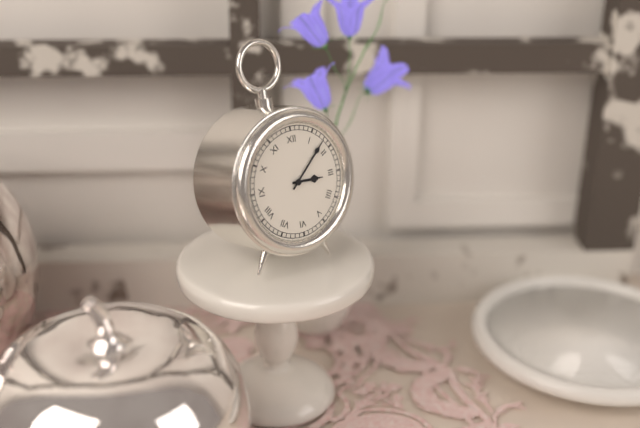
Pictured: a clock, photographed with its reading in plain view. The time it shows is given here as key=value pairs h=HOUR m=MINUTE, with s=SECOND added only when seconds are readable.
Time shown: h=3 m=8
